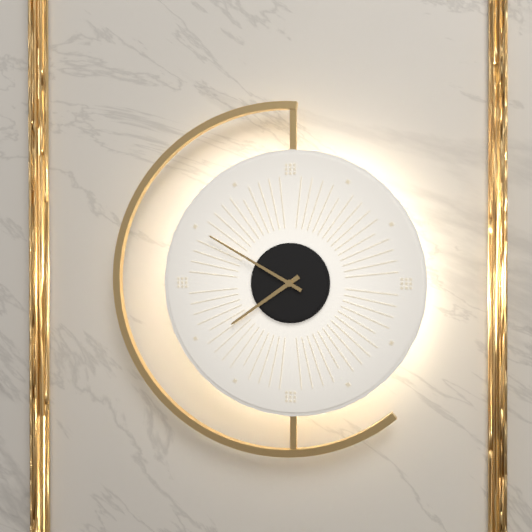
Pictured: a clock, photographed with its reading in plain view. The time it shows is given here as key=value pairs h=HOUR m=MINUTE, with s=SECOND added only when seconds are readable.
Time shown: h=7 m=50
